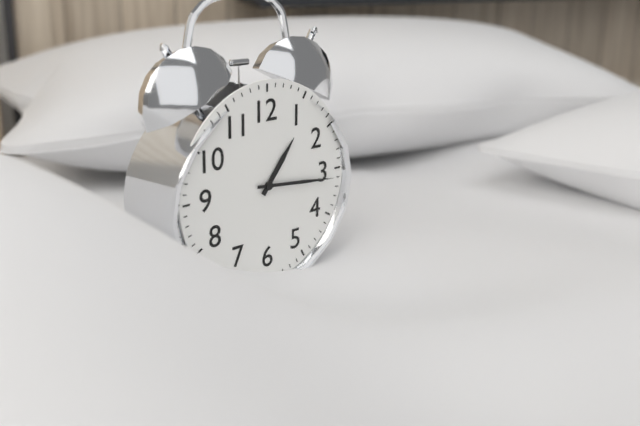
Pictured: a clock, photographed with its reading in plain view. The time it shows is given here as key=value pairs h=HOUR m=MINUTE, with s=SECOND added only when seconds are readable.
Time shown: h=1 m=16
